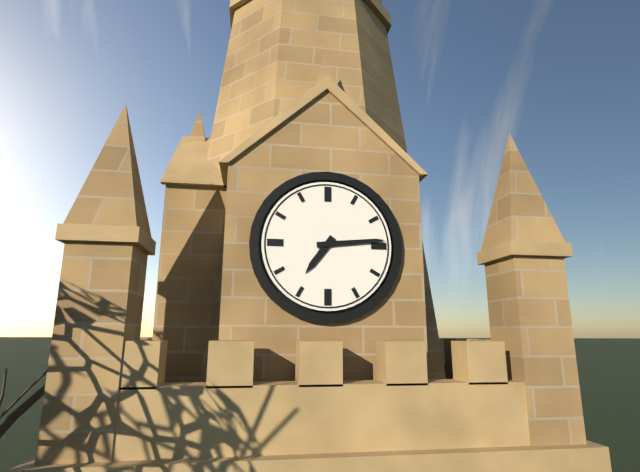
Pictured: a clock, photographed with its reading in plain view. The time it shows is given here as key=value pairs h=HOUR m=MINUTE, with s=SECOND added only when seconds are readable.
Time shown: h=7 m=14
